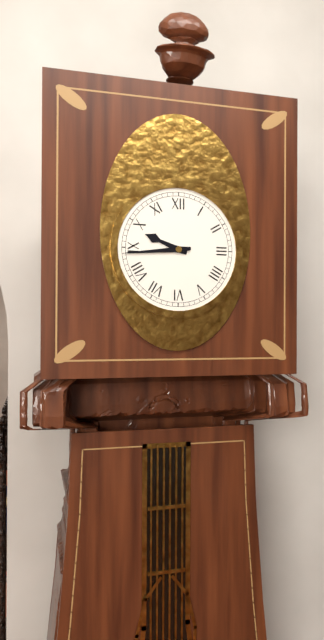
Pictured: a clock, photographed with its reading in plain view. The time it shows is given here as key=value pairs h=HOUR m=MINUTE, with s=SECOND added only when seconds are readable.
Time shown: h=9 m=44
